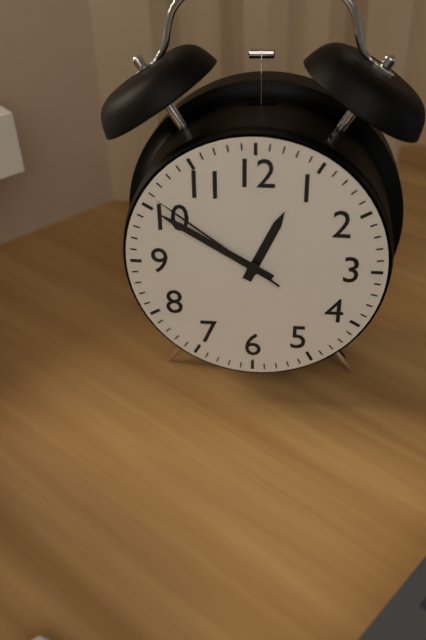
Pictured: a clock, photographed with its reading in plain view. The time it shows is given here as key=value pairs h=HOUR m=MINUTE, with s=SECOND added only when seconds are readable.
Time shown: h=12 m=50 s=51
